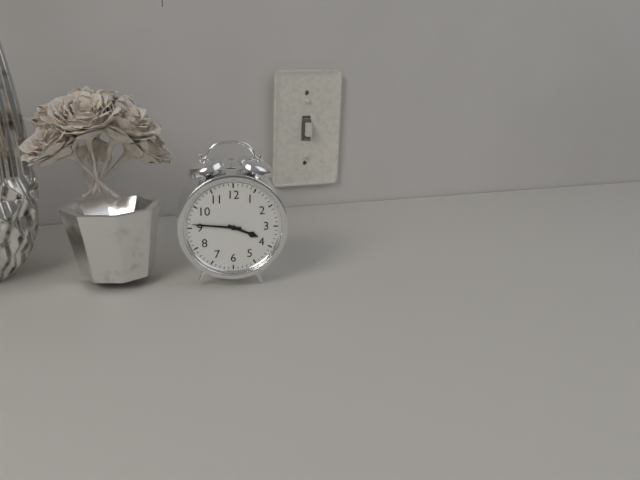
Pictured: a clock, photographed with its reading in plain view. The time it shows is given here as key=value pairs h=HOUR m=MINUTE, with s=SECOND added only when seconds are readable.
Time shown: h=3 m=46
